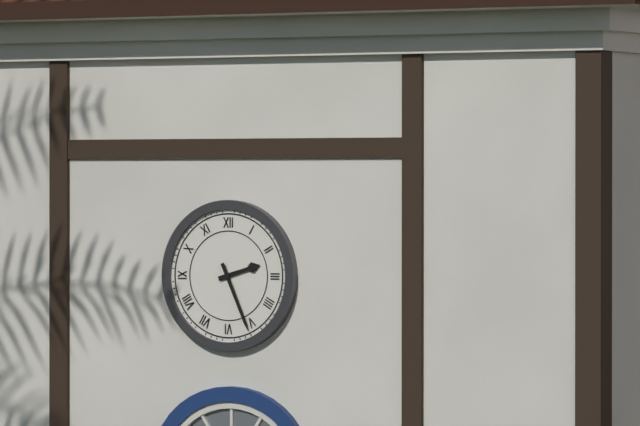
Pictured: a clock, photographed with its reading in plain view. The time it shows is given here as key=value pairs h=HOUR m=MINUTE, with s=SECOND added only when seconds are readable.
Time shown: h=2 m=26
